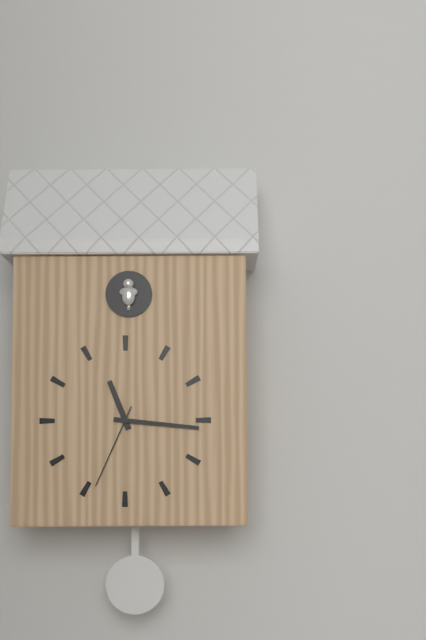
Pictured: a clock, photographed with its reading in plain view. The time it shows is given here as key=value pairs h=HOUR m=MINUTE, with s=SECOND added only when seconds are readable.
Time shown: h=11 m=16 s=34
